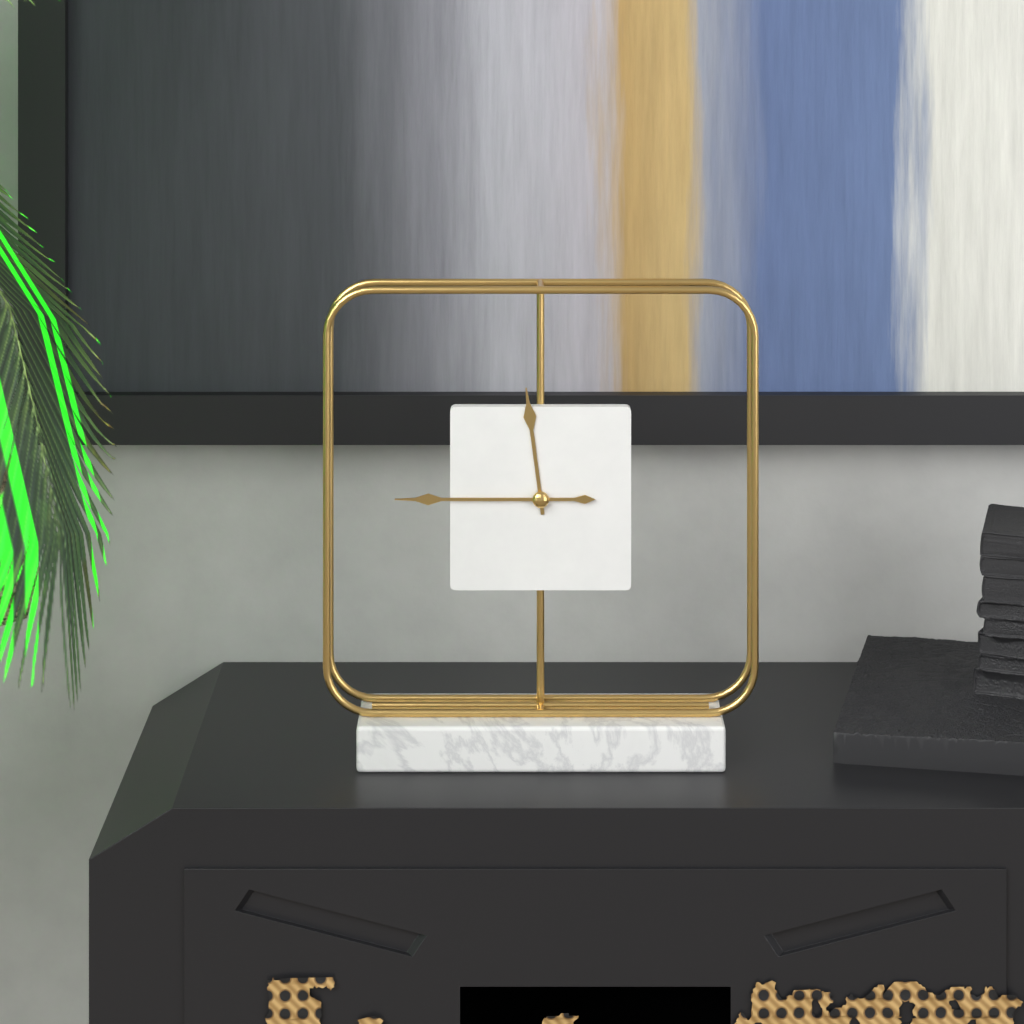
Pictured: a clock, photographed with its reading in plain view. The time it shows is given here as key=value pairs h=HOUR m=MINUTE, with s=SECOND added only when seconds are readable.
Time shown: h=11 m=45
